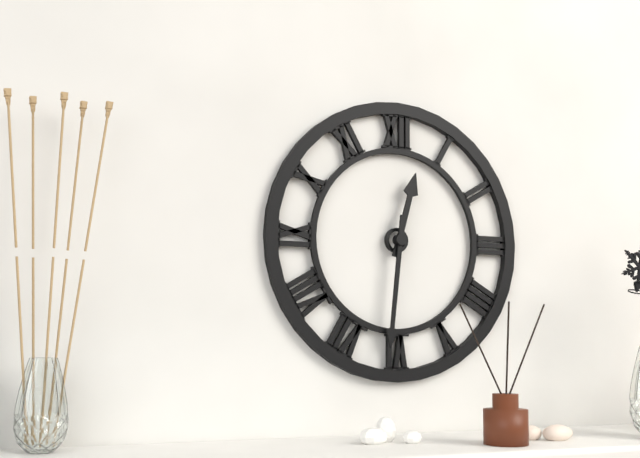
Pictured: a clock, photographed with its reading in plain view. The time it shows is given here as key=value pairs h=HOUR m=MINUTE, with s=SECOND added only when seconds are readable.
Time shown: h=12 m=31
